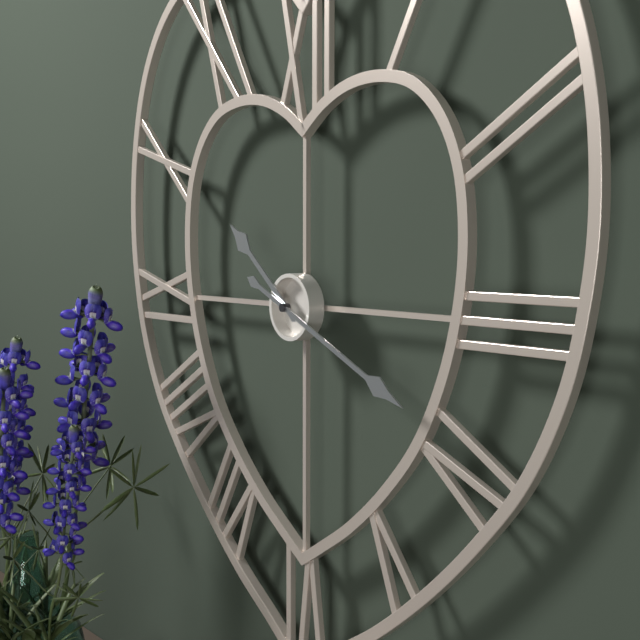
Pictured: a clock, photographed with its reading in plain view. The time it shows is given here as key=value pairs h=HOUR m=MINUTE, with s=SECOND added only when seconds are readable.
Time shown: h=10 m=19
